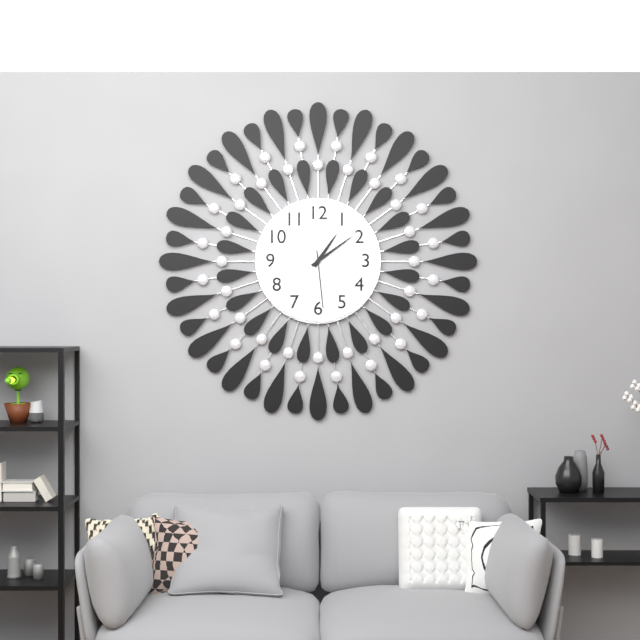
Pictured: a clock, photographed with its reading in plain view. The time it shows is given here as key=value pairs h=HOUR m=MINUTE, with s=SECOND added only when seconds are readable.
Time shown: h=1 m=9 s=29
